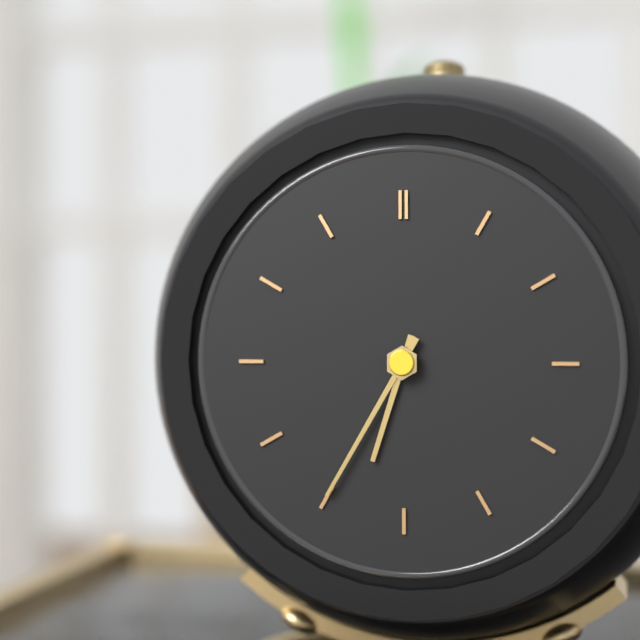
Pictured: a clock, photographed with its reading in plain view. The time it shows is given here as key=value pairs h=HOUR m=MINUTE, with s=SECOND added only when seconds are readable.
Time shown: h=6 m=35
